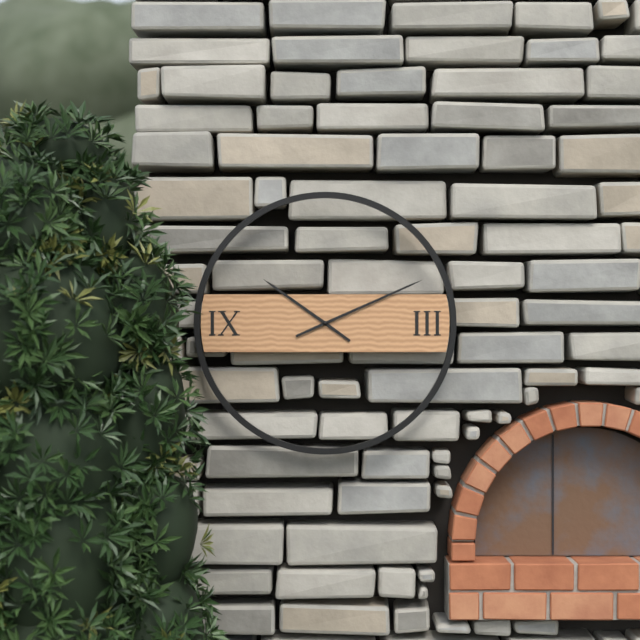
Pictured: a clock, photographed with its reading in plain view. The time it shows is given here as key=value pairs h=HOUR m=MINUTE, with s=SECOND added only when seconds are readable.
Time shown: h=10 m=11
